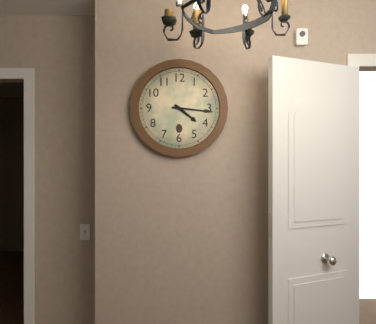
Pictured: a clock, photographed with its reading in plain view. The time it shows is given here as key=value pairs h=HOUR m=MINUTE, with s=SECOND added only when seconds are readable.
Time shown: h=4 m=16
